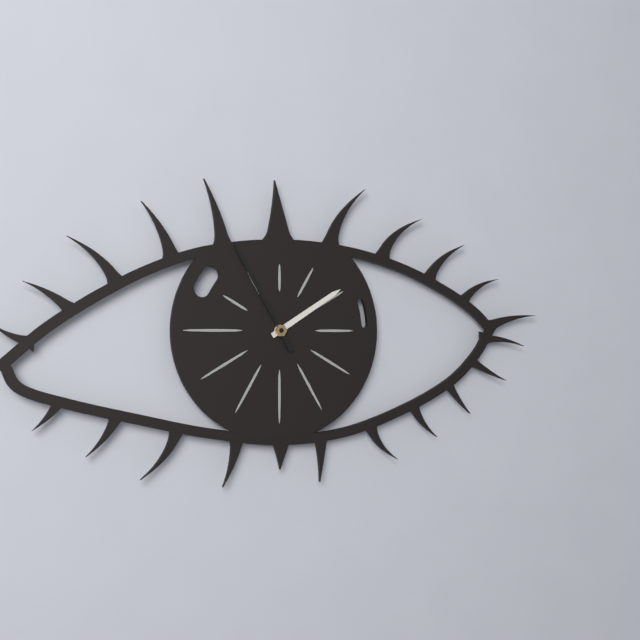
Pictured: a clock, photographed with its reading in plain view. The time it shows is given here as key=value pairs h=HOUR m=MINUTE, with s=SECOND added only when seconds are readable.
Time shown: h=1 m=55
